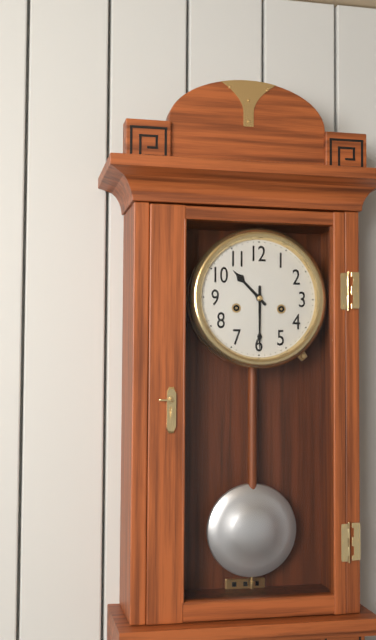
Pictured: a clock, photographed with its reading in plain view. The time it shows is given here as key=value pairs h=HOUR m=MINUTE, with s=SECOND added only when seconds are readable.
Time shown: h=10 m=30
